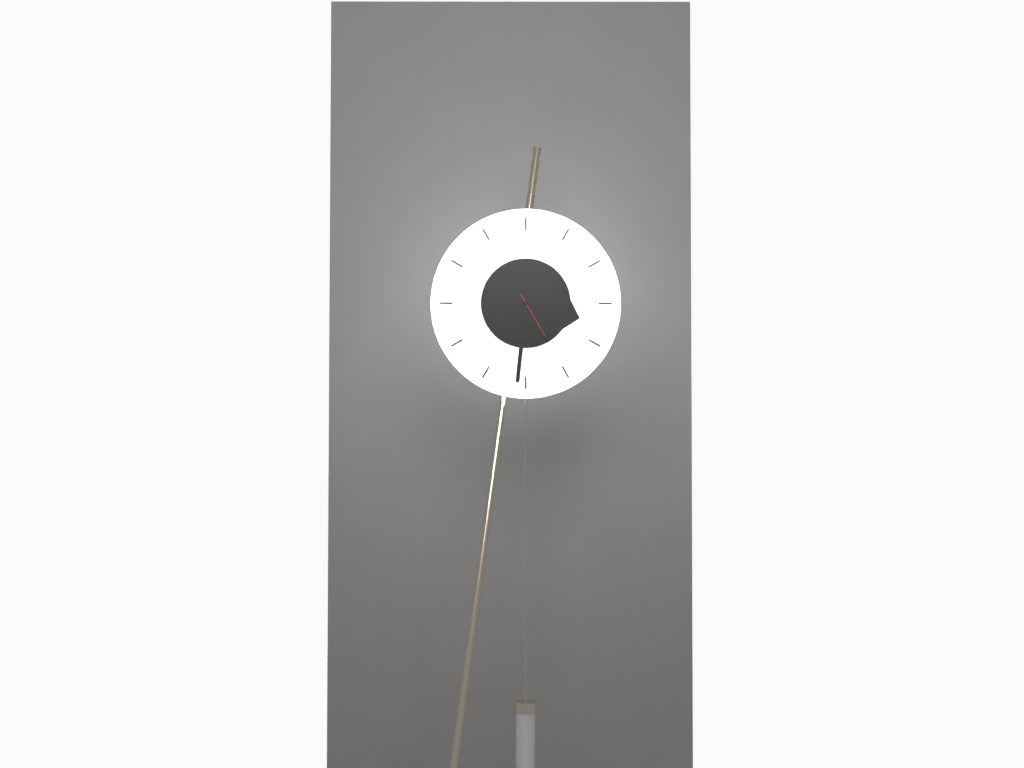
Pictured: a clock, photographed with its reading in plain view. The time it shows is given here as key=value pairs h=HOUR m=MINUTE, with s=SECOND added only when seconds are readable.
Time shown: h=3 m=31 s=25
